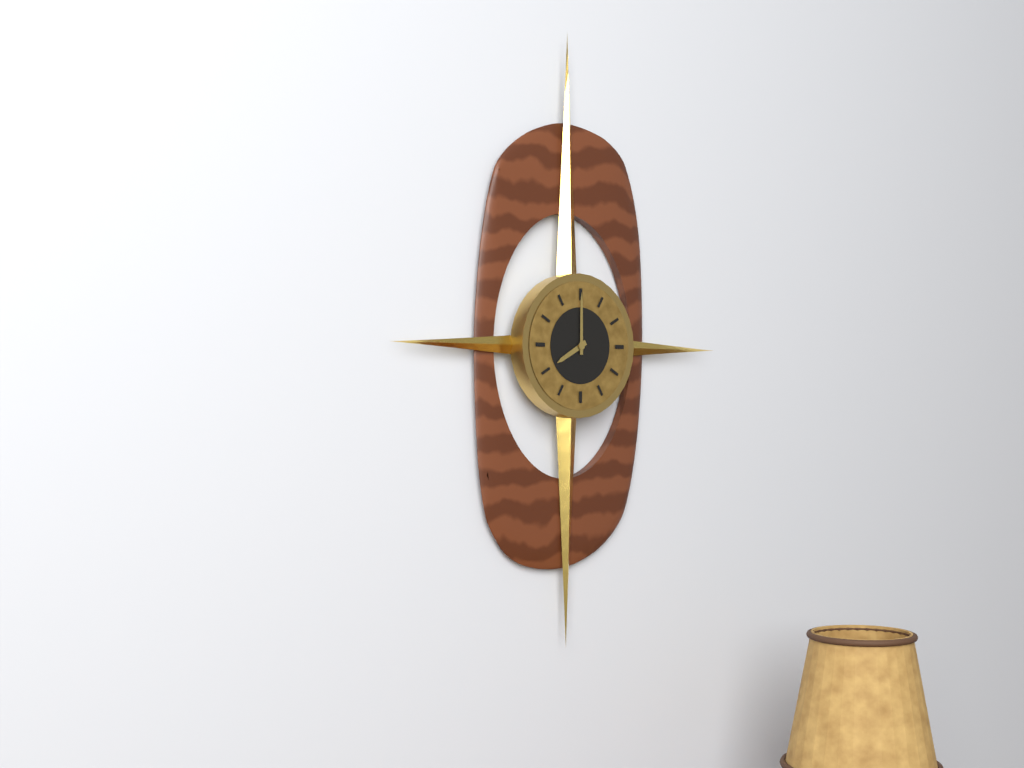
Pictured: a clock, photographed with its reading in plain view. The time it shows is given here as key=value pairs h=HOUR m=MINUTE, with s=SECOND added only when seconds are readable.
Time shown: h=8 m=0
